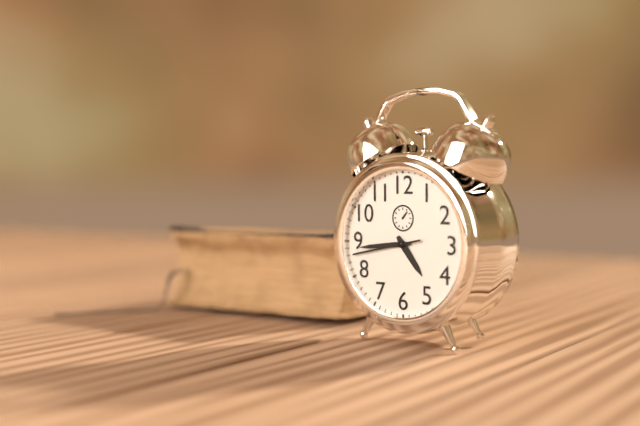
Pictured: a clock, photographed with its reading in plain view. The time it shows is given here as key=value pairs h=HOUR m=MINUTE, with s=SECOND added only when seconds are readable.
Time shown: h=4 m=44 s=43
